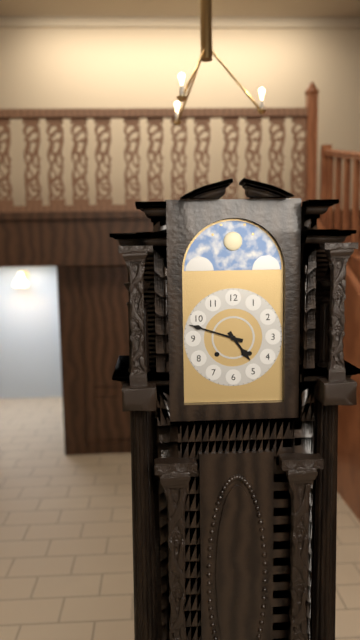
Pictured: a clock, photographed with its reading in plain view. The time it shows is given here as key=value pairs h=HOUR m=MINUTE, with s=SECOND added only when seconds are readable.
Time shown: h=4 m=48
